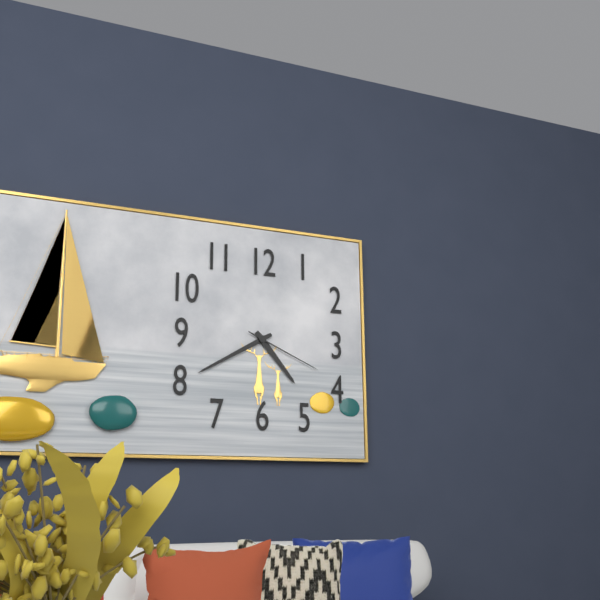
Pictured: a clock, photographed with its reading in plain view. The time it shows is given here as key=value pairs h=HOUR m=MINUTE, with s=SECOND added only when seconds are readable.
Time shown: h=4 m=40 s=19
